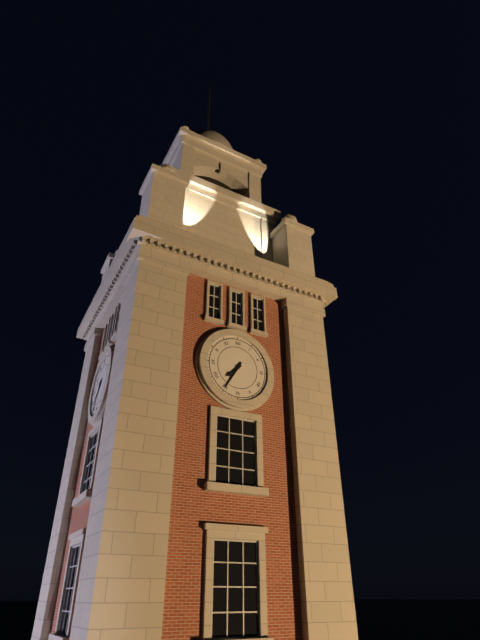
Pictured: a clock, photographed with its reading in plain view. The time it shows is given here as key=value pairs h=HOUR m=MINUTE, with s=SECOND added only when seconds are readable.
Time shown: h=7 m=35
